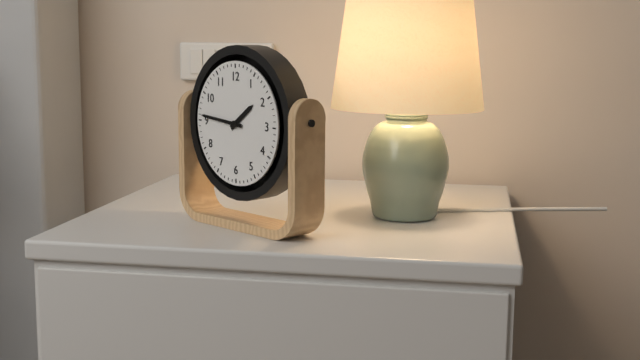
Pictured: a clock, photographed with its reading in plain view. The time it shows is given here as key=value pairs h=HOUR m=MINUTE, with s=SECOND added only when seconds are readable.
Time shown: h=1 m=46
